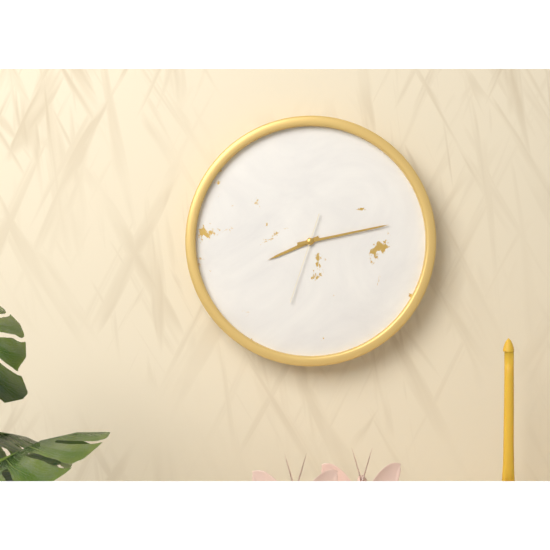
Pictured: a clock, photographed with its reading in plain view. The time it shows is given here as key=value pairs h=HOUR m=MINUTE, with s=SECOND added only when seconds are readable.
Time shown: h=8 m=13 s=33
